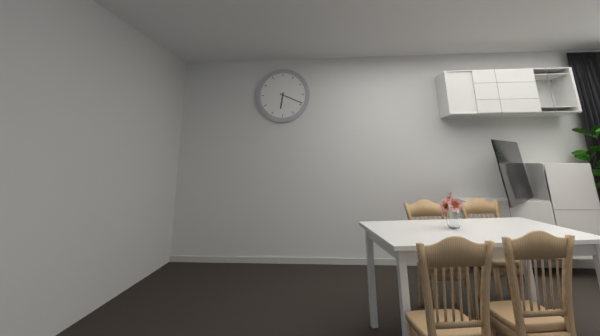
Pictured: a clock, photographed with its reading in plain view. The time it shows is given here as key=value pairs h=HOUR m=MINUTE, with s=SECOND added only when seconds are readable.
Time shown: h=6 m=19
